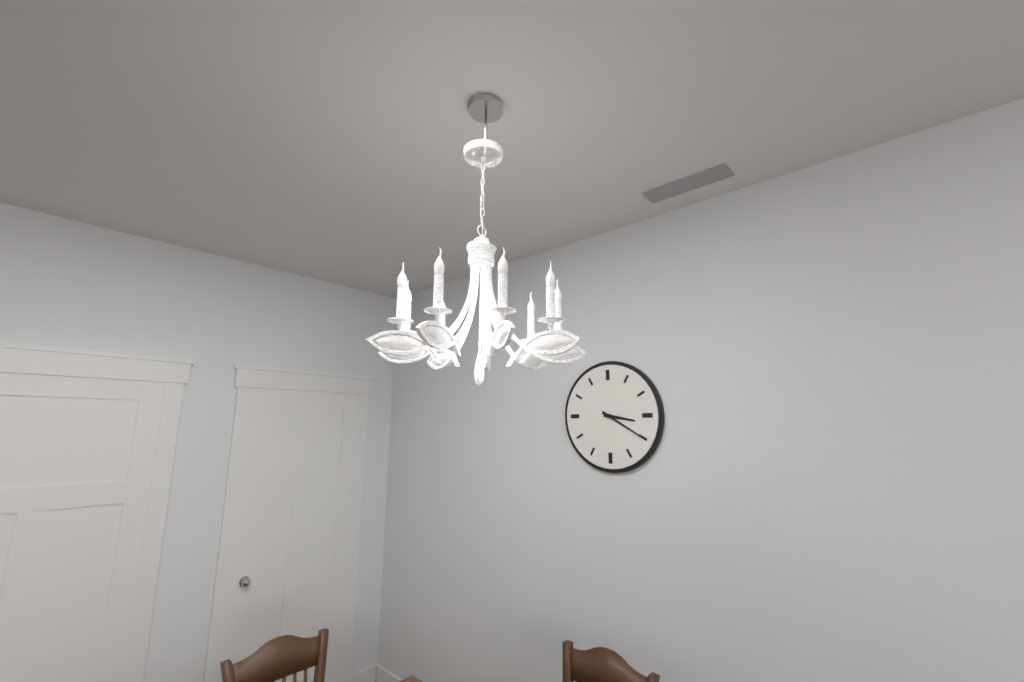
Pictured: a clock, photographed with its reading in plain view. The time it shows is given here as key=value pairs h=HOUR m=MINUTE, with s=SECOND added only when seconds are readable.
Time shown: h=3 m=20
